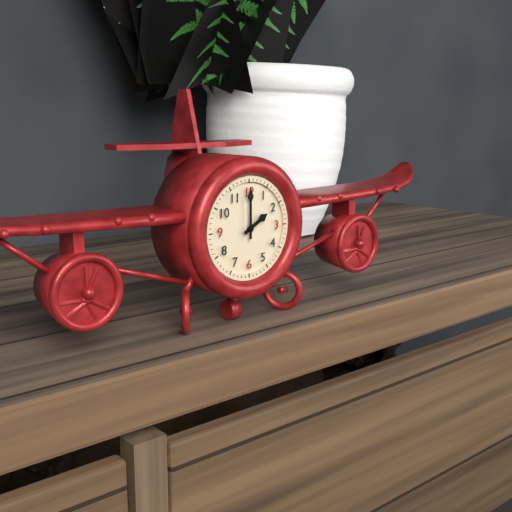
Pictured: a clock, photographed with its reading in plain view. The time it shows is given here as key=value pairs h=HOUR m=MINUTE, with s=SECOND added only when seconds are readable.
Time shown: h=2 m=0
